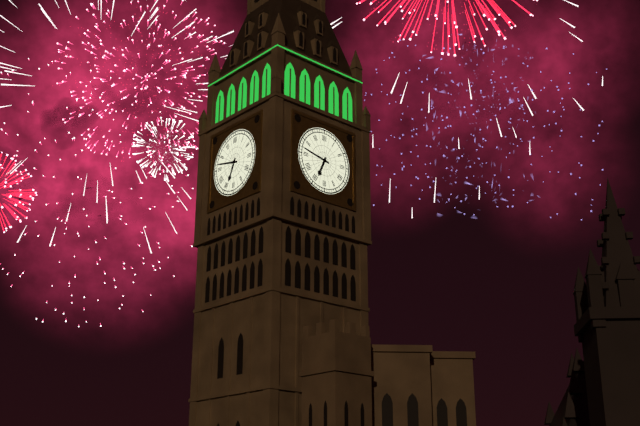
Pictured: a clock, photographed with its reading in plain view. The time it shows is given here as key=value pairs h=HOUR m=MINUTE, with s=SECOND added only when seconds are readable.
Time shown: h=6 m=47
